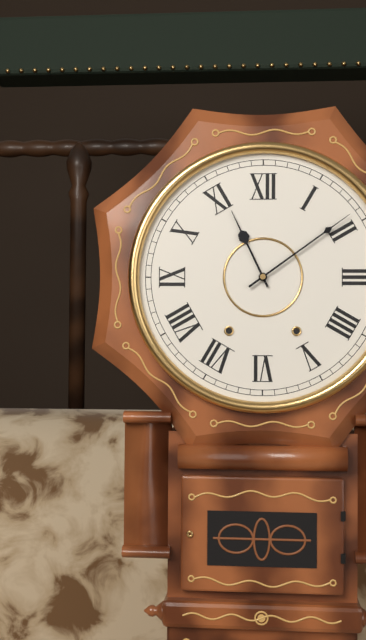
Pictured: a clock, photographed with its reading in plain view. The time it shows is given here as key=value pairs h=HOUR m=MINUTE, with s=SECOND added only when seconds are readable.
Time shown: h=11 m=9
